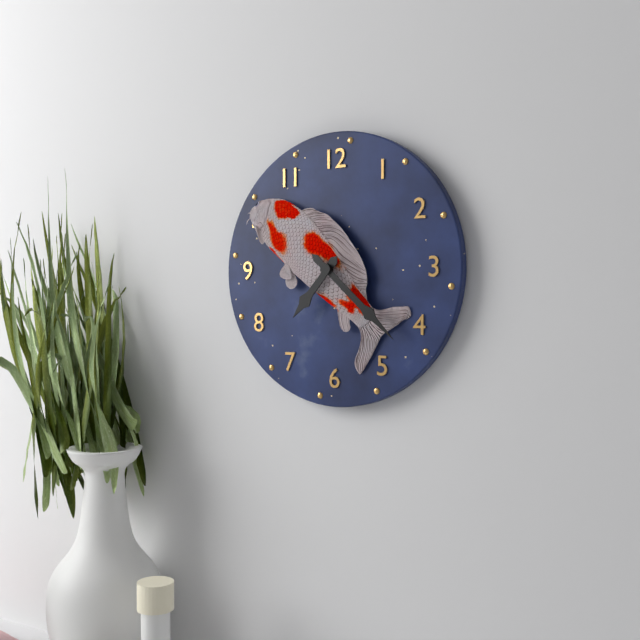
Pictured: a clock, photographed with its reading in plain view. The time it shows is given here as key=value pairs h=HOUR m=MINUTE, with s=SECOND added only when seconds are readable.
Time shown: h=7 m=22
